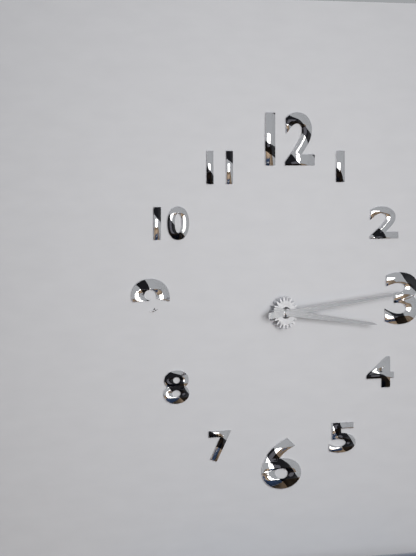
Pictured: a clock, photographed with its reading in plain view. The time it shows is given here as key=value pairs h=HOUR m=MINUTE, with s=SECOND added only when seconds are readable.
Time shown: h=3 m=14
